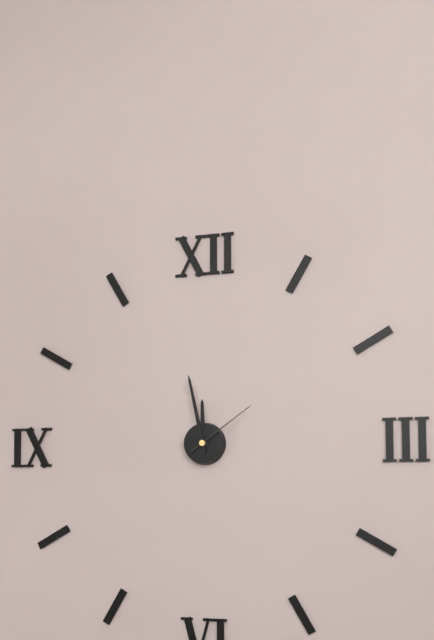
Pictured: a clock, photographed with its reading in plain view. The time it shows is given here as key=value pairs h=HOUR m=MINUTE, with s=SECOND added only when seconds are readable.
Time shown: h=11 m=58 s=9
